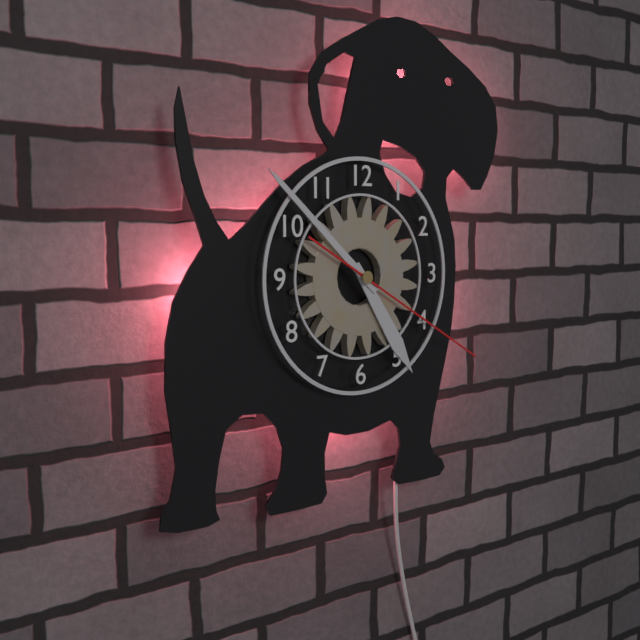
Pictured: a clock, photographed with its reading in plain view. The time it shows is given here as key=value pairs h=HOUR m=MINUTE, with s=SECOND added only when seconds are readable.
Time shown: h=4 m=52 s=20
